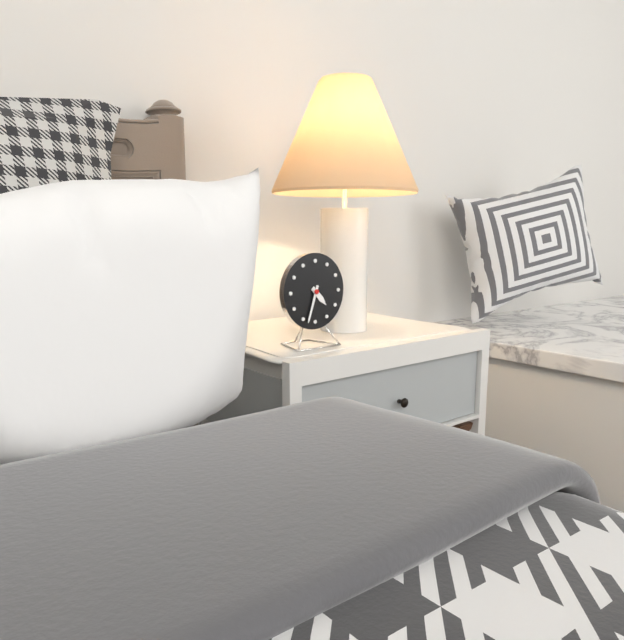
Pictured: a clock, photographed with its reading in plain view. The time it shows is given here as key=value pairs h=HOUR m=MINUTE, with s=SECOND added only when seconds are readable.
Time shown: h=4 m=33
